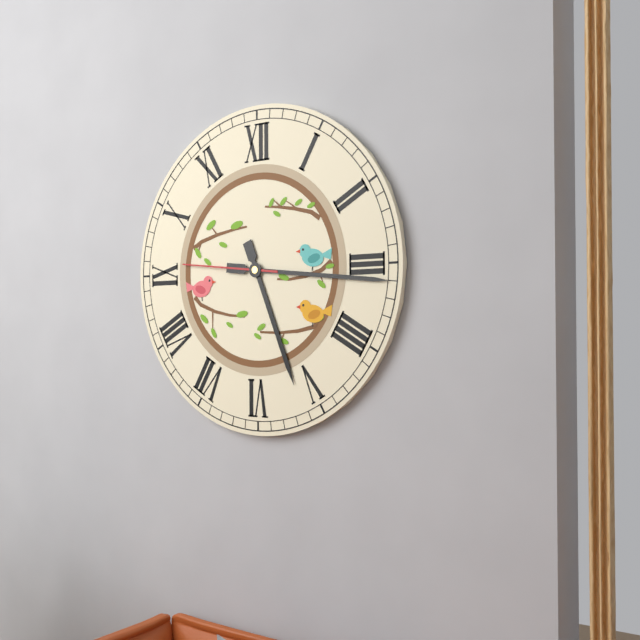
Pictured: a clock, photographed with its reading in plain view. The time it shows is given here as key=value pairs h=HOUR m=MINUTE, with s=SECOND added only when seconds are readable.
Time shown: h=5 m=16 s=46
